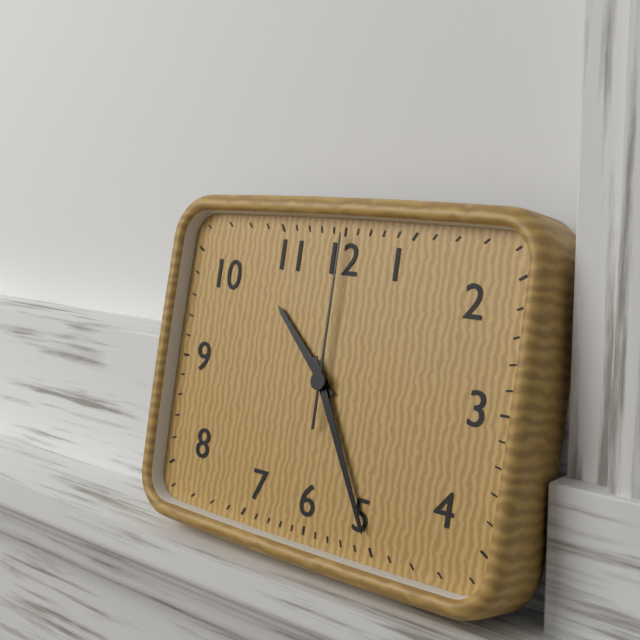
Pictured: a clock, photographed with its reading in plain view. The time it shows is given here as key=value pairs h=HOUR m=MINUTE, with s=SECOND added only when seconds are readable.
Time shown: h=10 m=25 s=0
